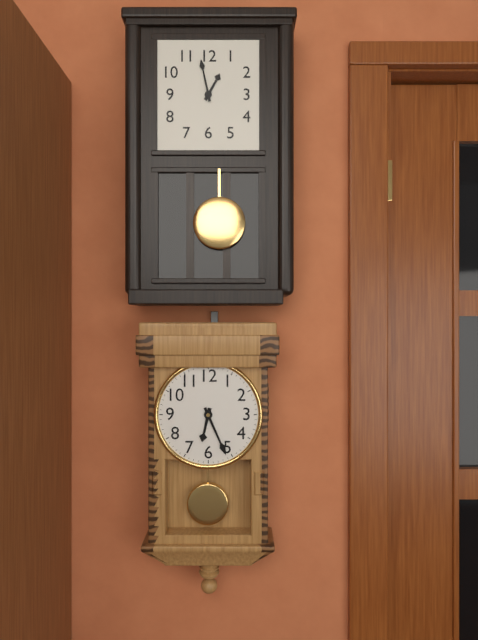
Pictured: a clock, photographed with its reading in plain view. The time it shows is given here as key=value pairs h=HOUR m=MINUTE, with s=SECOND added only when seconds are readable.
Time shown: h=6 m=26
